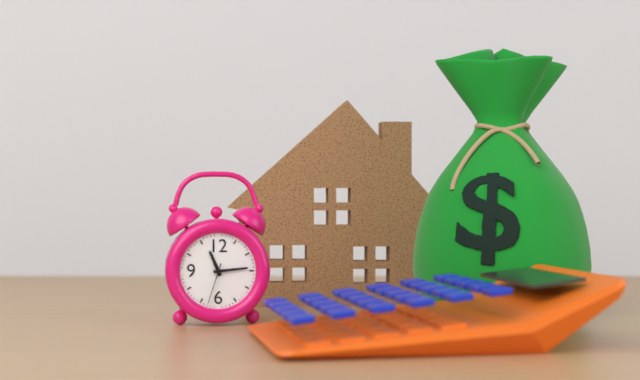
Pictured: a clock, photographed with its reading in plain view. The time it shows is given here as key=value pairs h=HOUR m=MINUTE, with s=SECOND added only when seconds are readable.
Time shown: h=11 m=14
